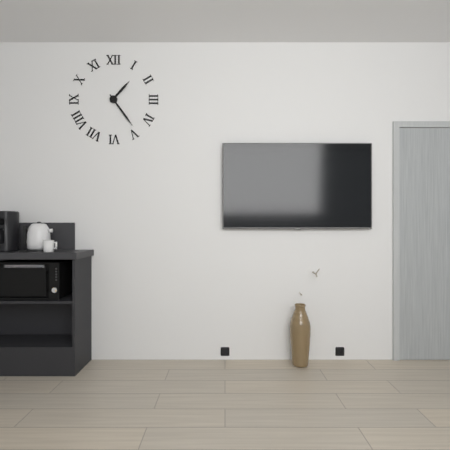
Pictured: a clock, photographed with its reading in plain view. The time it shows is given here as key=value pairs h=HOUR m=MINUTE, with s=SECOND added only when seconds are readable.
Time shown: h=1 m=24
